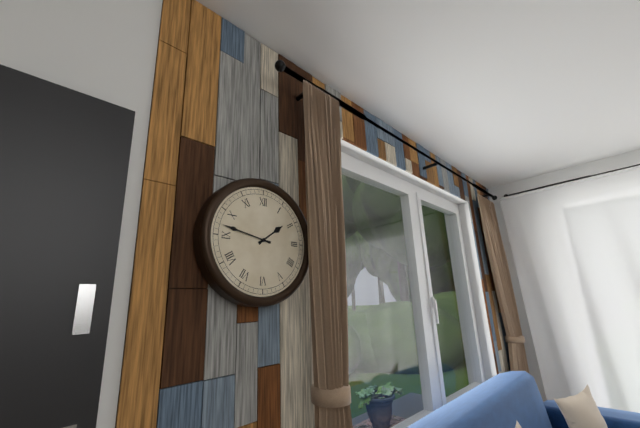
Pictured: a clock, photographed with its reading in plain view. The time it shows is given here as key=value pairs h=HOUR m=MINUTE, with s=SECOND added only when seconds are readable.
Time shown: h=1 m=47
